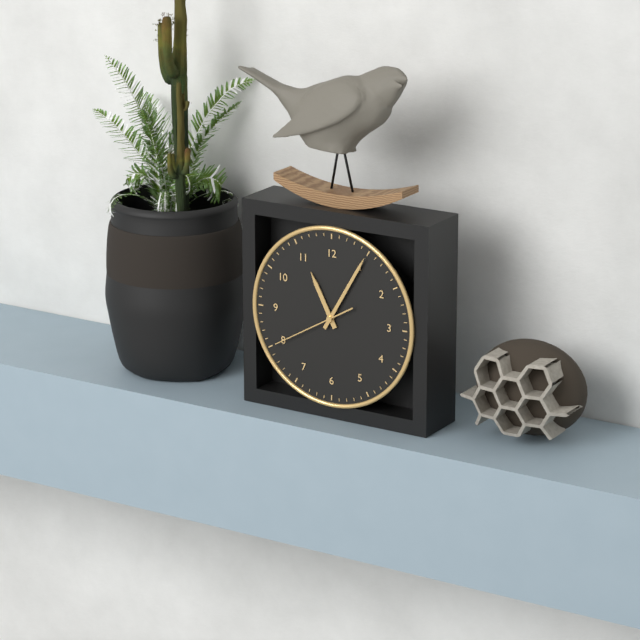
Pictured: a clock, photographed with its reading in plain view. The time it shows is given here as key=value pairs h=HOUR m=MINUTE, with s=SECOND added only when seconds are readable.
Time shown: h=11 m=5 s=40
